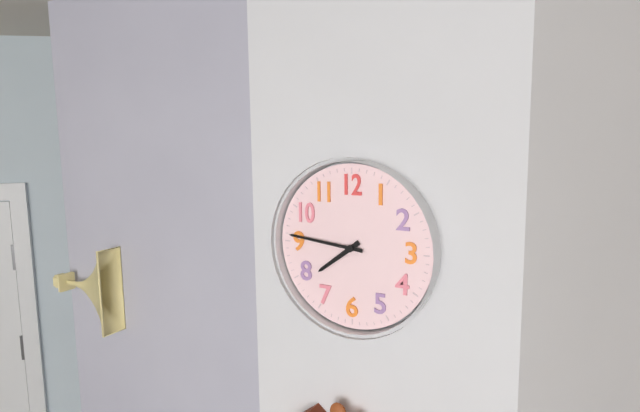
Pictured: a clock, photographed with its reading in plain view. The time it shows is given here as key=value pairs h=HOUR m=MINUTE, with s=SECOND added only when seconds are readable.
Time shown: h=7 m=46
